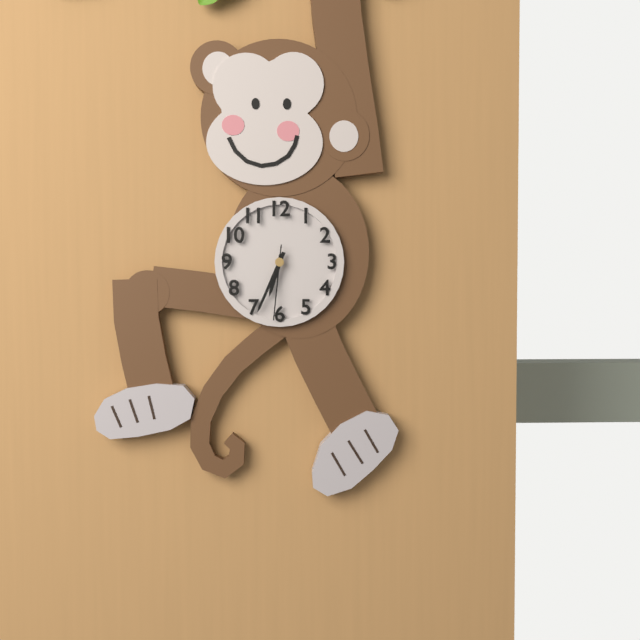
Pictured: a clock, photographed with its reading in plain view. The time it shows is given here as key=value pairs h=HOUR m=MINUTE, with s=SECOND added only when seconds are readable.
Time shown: h=6 m=34 s=31
